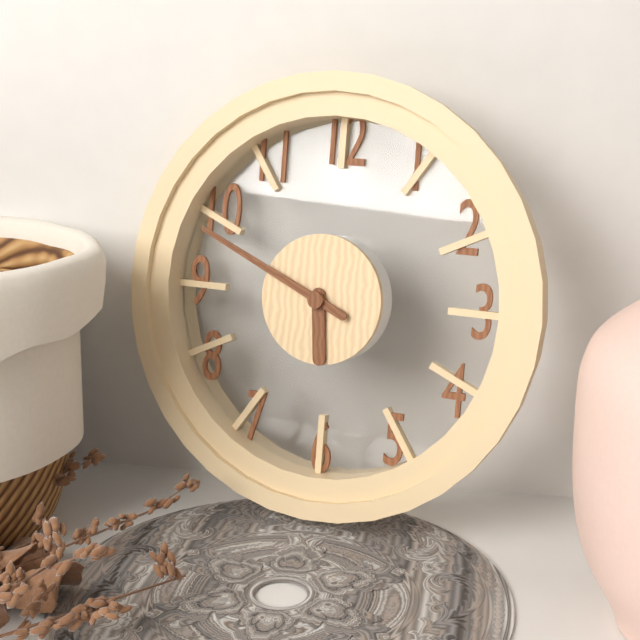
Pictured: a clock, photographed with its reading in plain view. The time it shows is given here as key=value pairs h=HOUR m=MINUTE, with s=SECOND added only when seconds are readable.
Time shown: h=5 m=49
